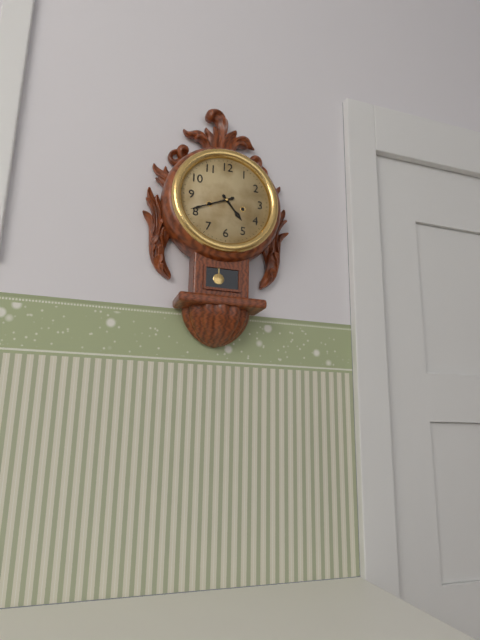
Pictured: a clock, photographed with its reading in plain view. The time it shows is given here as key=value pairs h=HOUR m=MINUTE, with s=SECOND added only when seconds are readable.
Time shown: h=4 m=41
